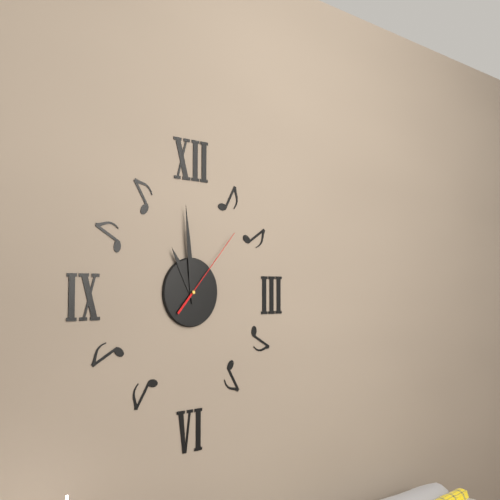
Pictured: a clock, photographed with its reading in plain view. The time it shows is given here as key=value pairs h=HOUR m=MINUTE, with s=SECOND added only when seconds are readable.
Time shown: h=10 m=59 s=7
